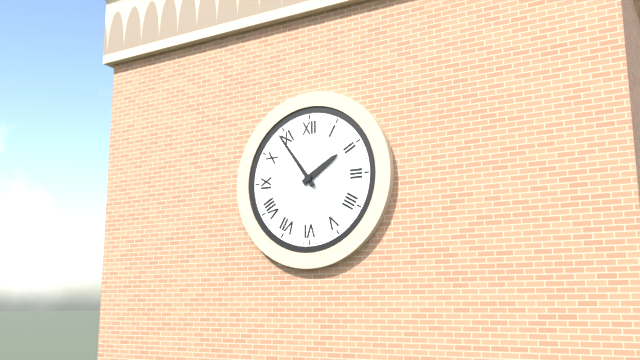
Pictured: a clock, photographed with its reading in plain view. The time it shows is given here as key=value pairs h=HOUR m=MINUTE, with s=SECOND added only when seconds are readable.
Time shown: h=1 m=54
